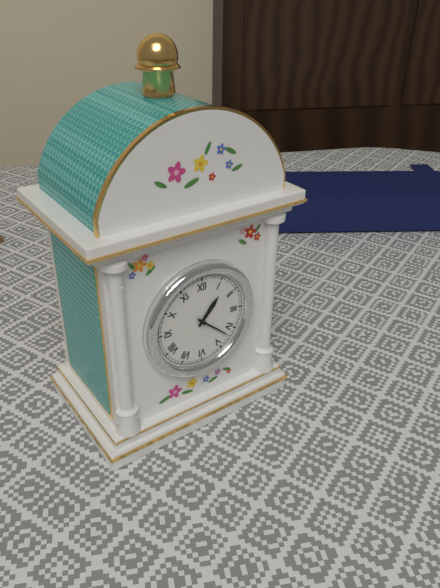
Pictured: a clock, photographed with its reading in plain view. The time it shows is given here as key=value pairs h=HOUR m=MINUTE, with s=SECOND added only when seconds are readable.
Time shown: h=1 m=22
